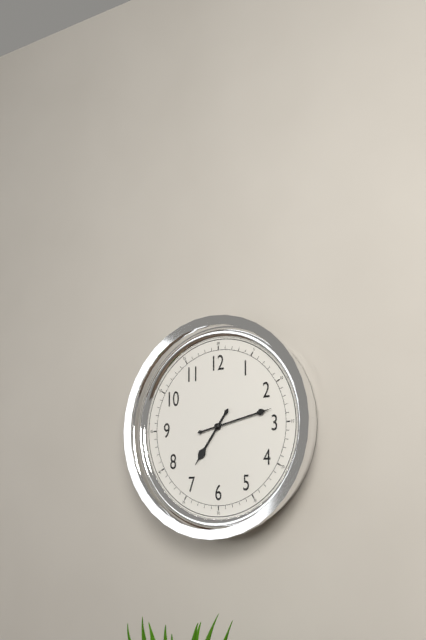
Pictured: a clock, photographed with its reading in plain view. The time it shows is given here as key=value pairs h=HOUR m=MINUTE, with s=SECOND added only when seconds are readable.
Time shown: h=7 m=13
